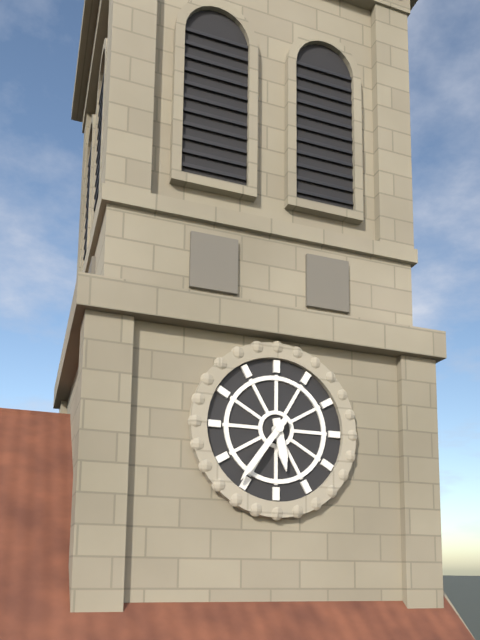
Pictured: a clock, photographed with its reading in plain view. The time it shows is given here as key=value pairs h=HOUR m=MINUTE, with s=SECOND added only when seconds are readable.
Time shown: h=5 m=36
